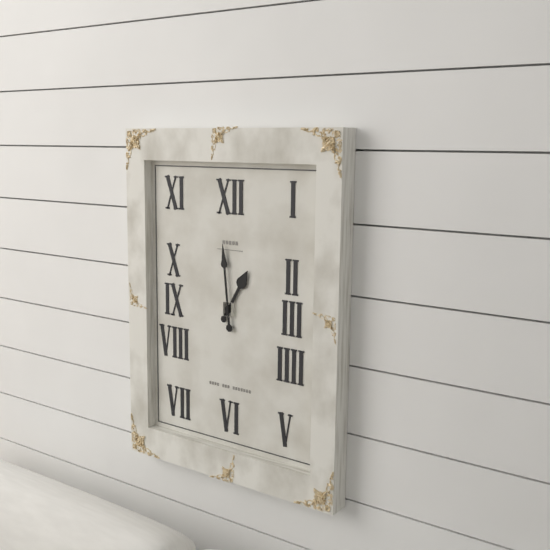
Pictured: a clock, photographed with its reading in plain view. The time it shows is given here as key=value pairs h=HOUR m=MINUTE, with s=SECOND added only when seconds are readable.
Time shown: h=12 m=59
